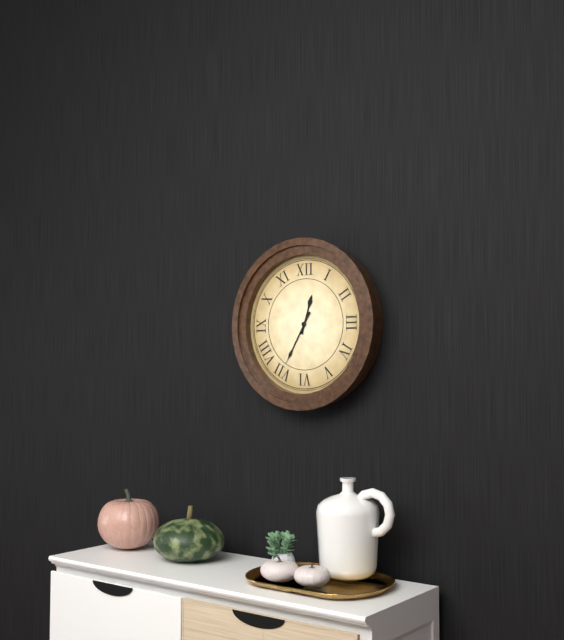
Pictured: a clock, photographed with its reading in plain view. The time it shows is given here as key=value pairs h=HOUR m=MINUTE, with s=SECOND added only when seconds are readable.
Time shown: h=12 m=35
